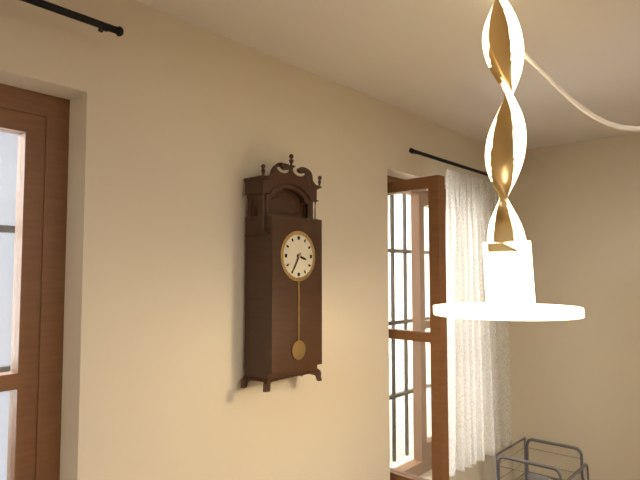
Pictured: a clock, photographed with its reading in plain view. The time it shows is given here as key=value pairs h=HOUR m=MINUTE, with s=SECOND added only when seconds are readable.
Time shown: h=3 m=35
